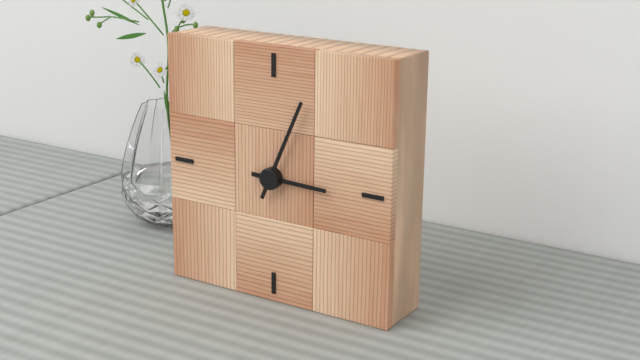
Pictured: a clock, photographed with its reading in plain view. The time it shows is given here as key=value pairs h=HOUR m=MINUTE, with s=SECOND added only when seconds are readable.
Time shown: h=3 m=4
